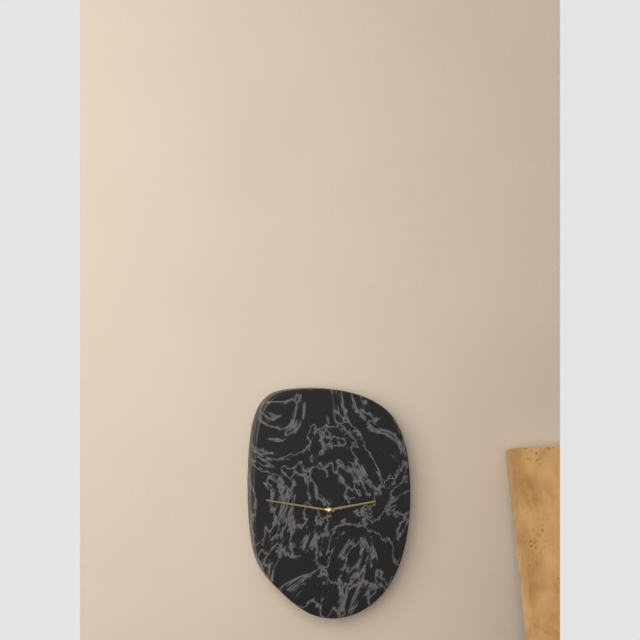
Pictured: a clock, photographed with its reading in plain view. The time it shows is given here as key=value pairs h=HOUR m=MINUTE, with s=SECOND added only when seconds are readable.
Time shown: h=2 m=47
